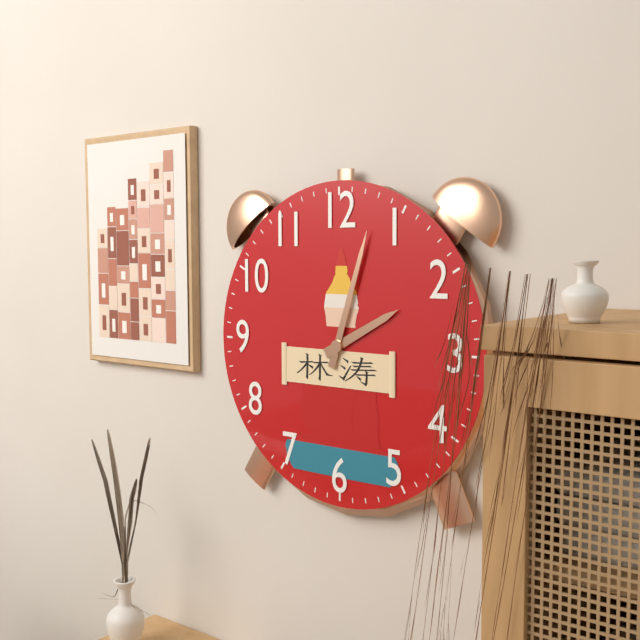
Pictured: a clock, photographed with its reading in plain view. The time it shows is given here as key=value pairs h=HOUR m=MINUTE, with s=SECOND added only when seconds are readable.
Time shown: h=2 m=3
